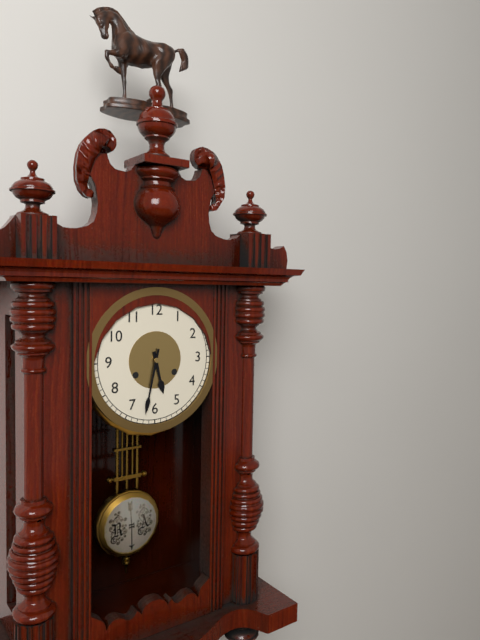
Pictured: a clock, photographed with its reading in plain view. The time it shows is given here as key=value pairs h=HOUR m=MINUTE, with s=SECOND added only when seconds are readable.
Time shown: h=5 m=32
